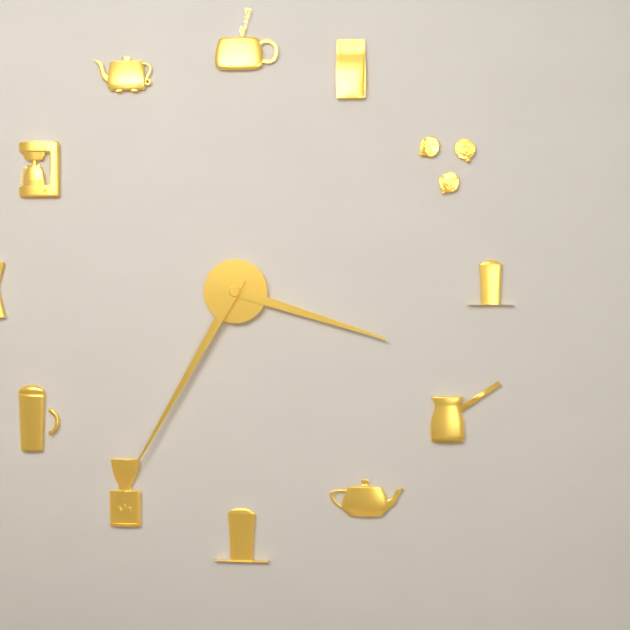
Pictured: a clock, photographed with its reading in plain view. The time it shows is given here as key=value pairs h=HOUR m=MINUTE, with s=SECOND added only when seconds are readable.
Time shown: h=3 m=35
